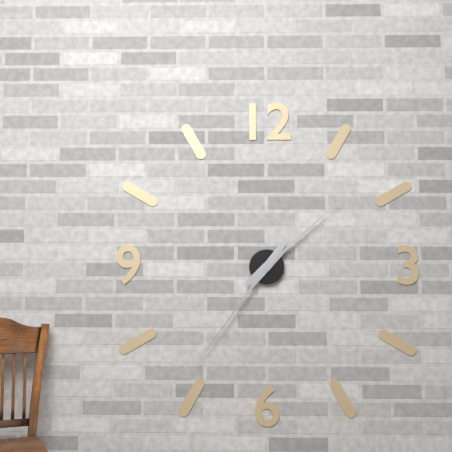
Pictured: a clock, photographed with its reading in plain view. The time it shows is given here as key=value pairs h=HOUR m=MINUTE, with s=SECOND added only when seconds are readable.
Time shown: h=1 m=36
